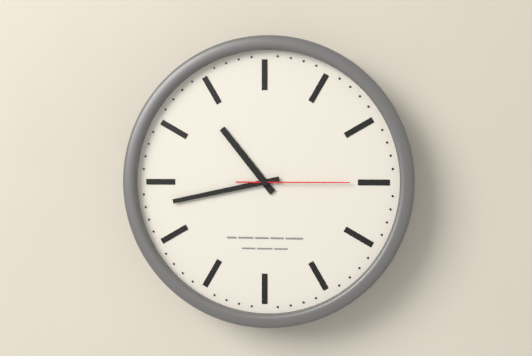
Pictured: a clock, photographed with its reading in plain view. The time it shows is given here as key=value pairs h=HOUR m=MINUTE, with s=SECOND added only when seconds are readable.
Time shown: h=10 m=43 s=15
